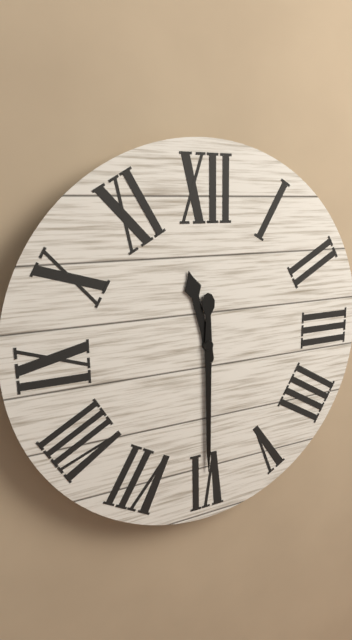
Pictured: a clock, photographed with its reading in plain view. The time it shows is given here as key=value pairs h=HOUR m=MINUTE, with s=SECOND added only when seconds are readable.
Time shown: h=11 m=30
